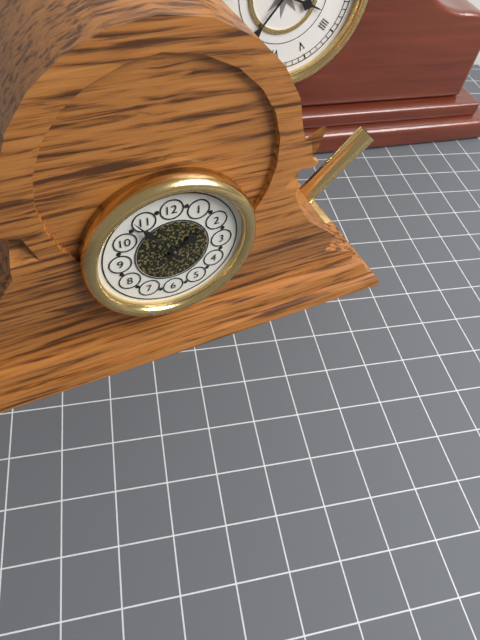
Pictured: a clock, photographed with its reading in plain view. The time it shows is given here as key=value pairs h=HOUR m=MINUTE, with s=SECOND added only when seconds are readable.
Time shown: h=1 m=54
